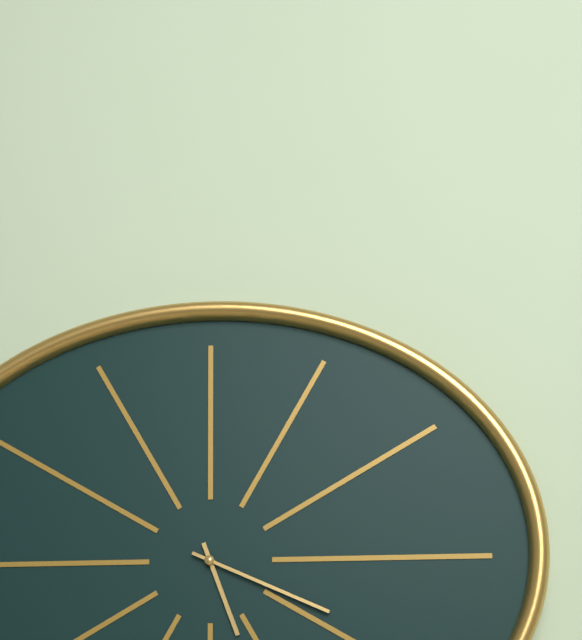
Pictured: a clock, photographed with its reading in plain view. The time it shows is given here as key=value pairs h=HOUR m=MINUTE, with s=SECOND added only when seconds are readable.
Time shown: h=5 m=19
